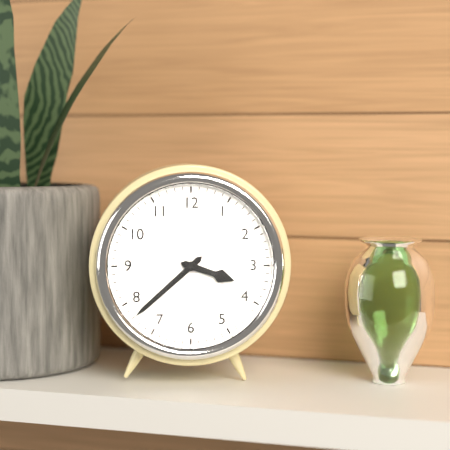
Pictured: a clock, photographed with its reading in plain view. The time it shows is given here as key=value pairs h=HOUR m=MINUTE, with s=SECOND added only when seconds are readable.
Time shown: h=3 m=38
